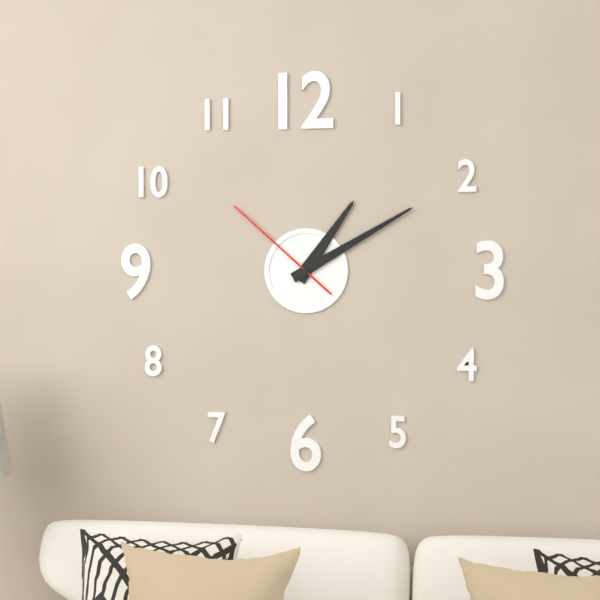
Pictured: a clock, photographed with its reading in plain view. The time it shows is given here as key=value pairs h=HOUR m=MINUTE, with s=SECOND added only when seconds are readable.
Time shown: h=1 m=10 s=52
